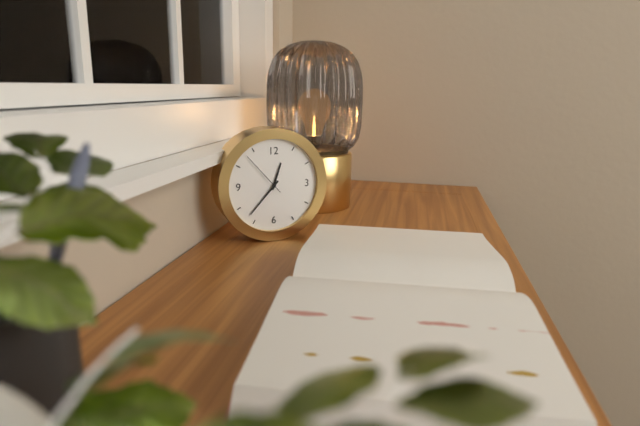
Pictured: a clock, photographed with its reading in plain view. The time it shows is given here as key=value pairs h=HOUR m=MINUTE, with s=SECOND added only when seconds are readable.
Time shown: h=12 m=37
